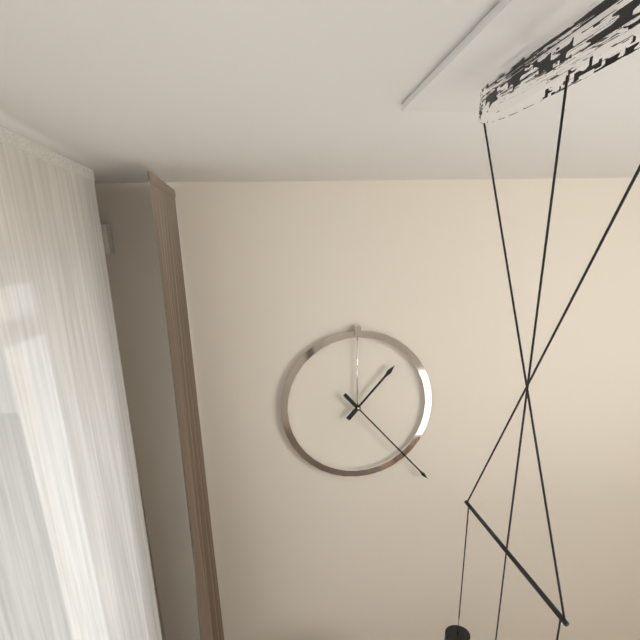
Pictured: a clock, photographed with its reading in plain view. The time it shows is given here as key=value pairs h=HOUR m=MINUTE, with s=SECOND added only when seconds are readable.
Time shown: h=1 m=23
